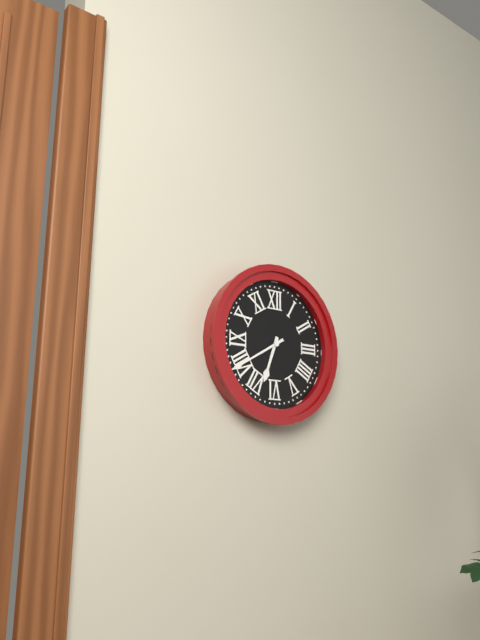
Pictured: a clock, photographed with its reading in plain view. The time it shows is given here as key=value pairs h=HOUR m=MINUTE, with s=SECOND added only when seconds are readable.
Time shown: h=6 m=40
